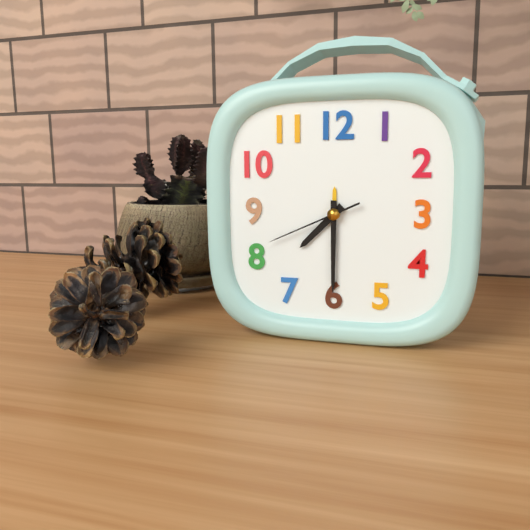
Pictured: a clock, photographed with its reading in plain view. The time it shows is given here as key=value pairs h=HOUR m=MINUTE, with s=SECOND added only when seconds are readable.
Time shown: h=7 m=30 s=41
